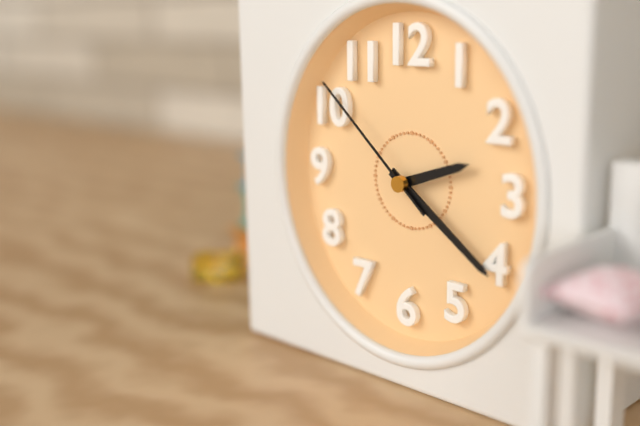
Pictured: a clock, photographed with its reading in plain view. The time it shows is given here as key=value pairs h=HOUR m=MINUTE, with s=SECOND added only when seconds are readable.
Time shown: h=2 m=21 s=52
